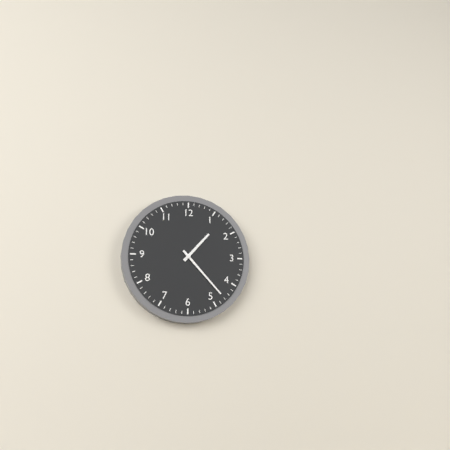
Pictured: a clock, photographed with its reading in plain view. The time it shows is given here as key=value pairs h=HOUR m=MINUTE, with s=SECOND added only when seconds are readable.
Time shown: h=1 m=23
